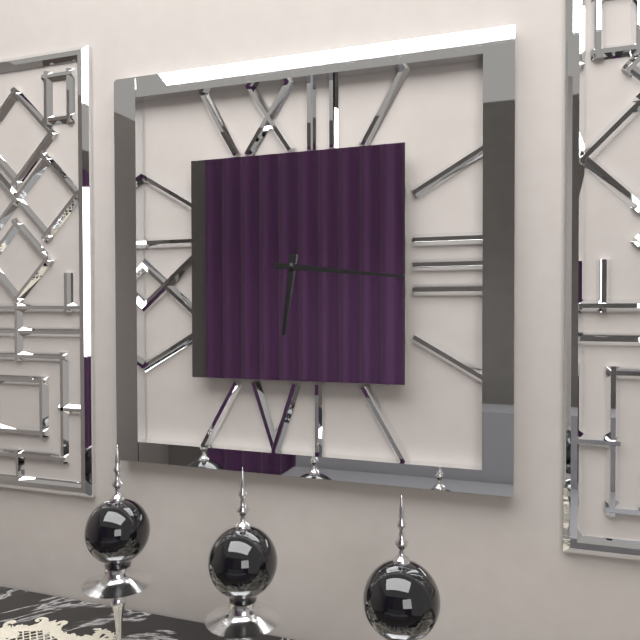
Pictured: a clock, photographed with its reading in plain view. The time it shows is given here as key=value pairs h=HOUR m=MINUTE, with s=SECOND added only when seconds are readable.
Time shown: h=6 m=16
